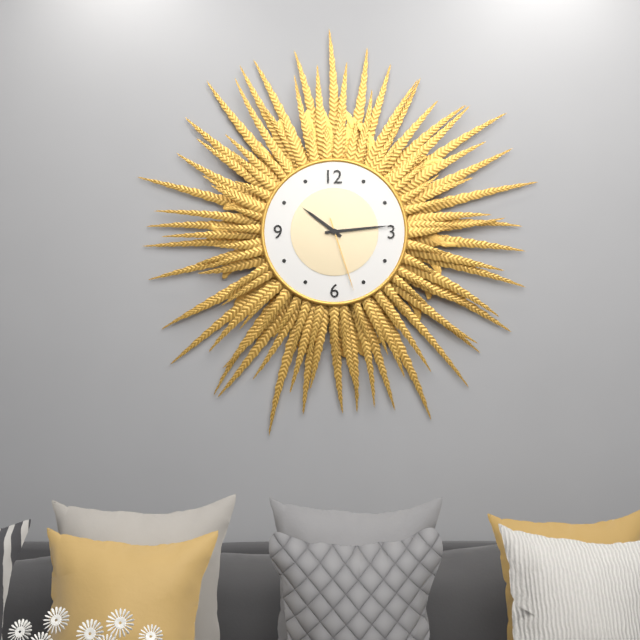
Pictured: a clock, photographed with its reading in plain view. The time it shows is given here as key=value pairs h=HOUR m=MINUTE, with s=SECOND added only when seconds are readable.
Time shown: h=10 m=14 s=27
